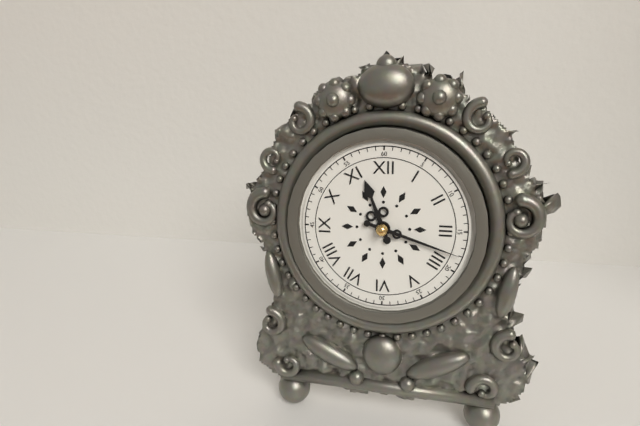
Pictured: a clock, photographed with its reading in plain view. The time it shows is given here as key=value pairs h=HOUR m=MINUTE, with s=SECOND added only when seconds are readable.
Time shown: h=11 m=18
